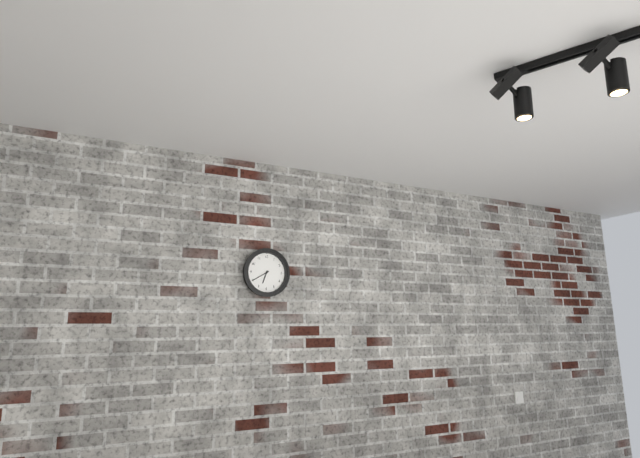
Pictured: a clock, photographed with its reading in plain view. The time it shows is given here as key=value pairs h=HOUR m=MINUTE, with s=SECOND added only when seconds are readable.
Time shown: h=6 m=40
